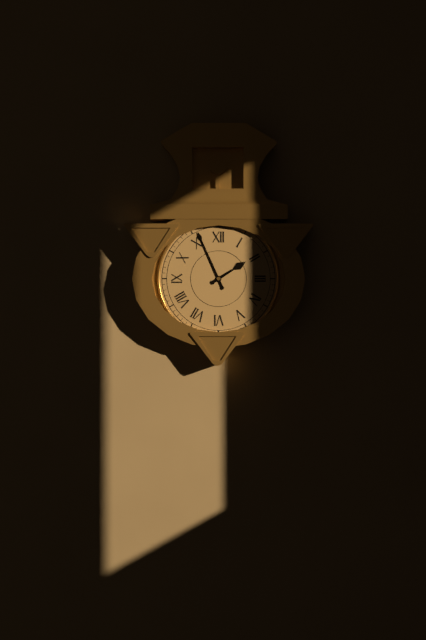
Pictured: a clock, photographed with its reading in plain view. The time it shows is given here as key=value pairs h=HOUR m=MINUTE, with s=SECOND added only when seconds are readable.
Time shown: h=1 m=56
